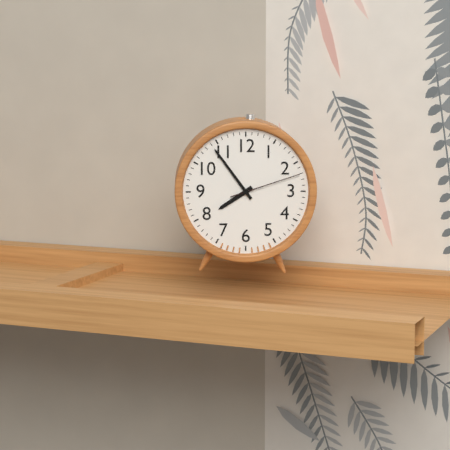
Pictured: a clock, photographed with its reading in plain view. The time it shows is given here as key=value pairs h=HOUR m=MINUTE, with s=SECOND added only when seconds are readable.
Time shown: h=7 m=54 s=12
